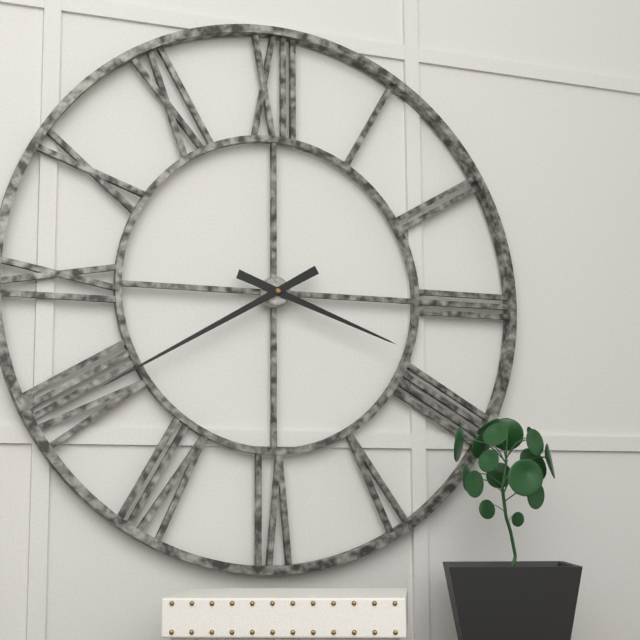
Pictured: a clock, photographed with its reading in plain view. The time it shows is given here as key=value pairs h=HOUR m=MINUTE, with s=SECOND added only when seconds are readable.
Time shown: h=3 m=40
